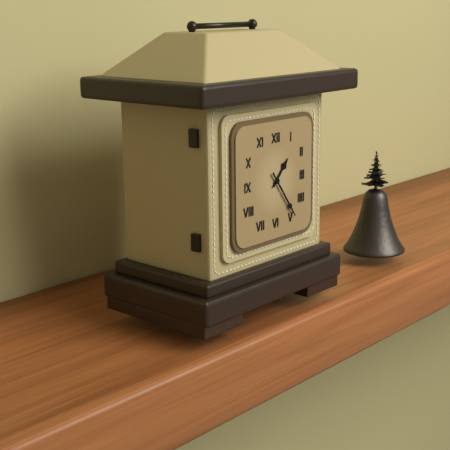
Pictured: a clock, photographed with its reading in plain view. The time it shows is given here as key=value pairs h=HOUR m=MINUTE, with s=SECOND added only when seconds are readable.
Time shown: h=1 m=24
